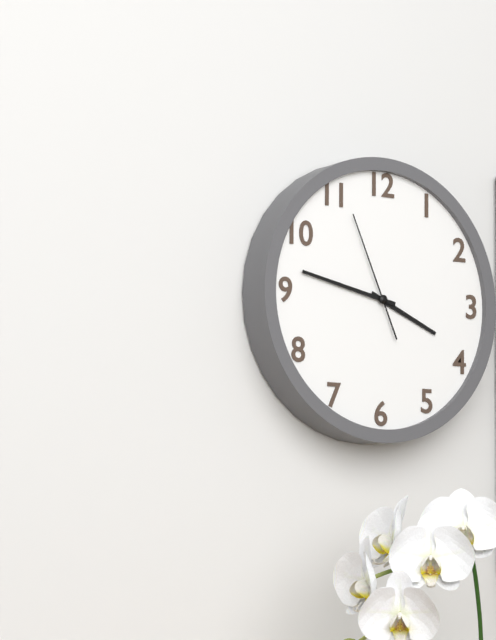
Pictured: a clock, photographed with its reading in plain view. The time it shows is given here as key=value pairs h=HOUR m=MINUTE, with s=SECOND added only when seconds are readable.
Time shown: h=3 m=47 s=56
